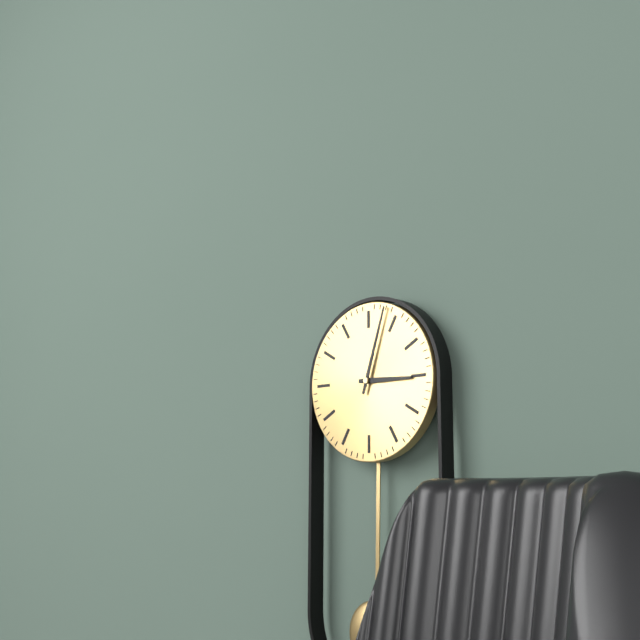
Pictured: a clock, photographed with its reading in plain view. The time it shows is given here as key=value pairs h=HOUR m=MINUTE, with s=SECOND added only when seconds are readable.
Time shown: h=3 m=3
